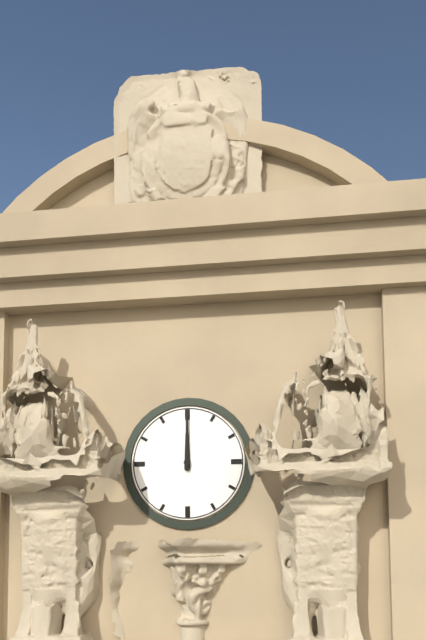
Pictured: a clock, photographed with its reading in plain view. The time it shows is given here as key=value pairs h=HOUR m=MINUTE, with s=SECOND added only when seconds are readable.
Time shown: h=12 m=0
